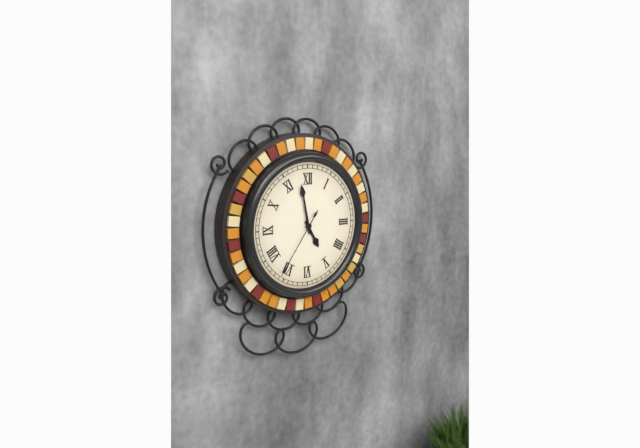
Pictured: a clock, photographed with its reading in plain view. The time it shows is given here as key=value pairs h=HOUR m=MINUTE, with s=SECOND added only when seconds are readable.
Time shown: h=4 m=58 s=36
